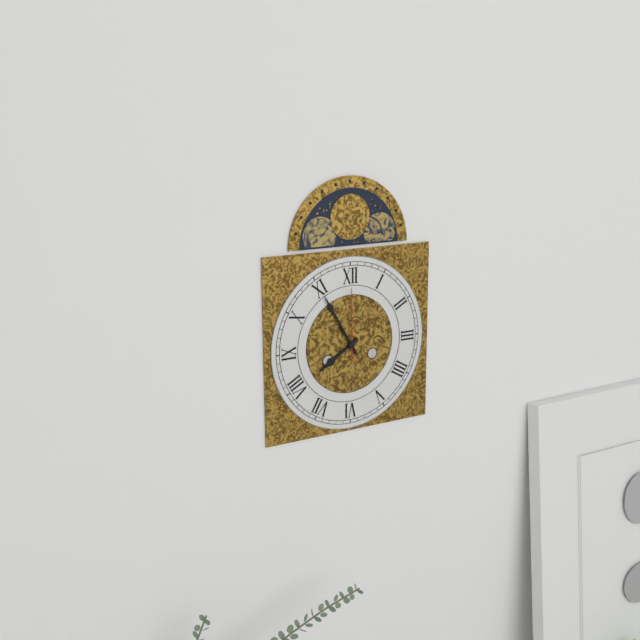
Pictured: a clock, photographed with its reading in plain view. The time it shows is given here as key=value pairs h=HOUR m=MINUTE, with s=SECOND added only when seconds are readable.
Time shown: h=7 m=55 s=0
